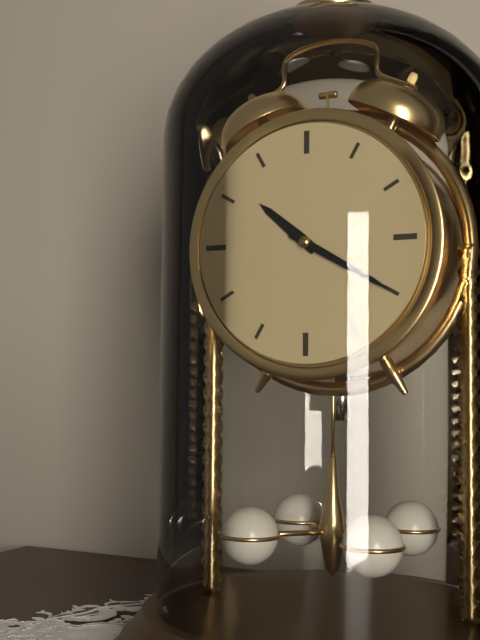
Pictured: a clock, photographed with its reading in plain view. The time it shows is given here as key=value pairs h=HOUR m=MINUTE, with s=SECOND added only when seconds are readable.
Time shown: h=10 m=20
